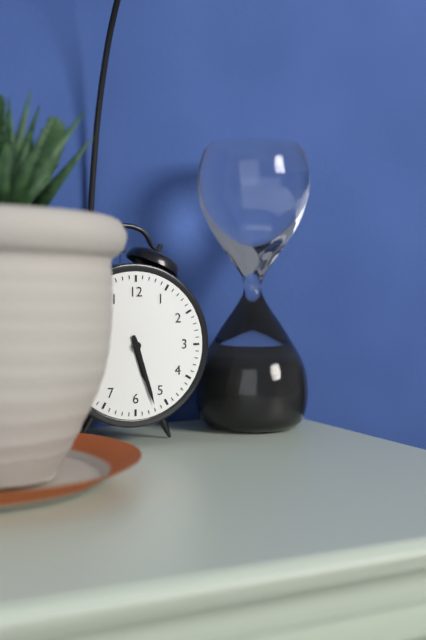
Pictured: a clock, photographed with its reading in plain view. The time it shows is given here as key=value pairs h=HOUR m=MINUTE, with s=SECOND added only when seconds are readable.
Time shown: h=5 m=27
